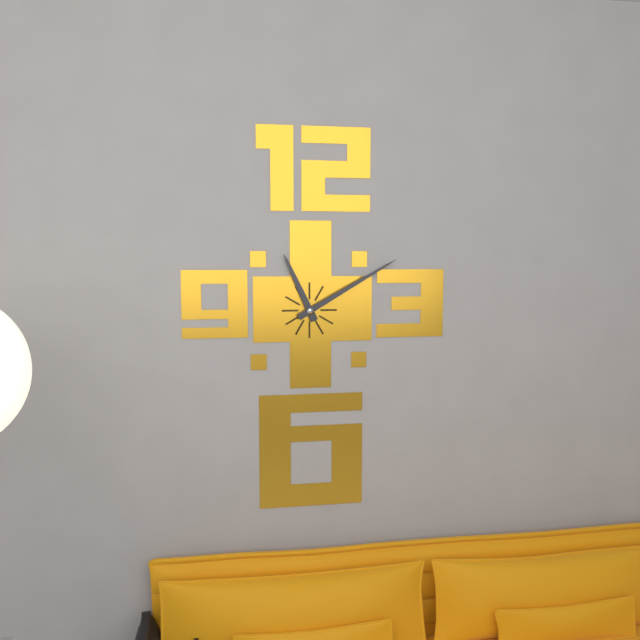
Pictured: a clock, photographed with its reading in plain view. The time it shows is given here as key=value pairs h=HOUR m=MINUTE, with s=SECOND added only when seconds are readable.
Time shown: h=11 m=10
